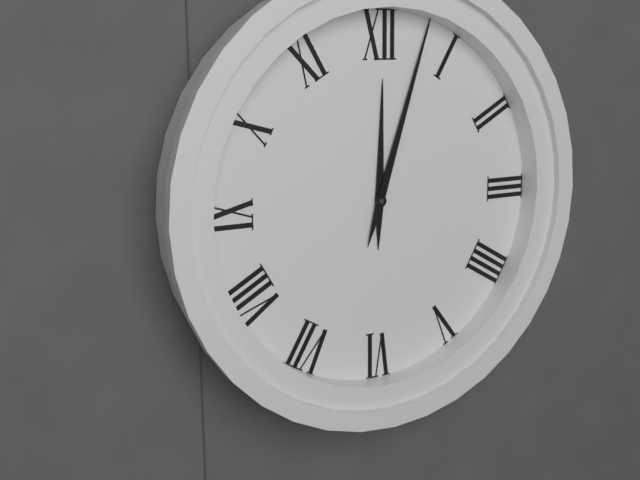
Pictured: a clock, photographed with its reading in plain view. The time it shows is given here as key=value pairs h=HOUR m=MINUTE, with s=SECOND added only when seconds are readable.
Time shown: h=12 m=3
